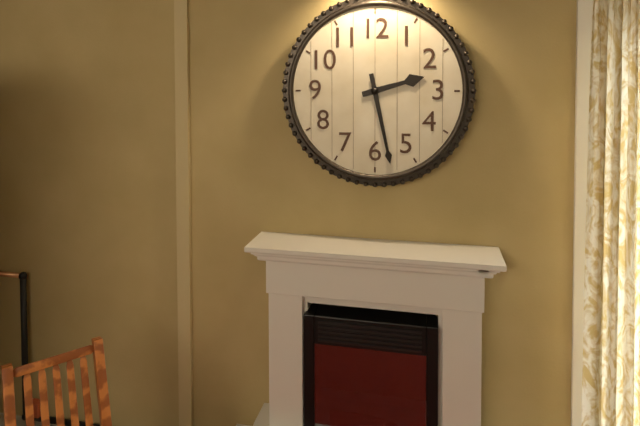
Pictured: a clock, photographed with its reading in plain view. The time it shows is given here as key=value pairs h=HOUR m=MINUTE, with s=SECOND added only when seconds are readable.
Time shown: h=2 m=28
